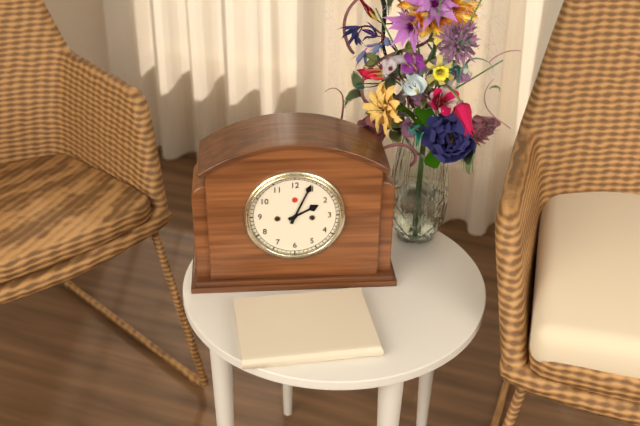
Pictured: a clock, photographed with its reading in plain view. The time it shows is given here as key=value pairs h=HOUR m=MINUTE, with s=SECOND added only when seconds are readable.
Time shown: h=2 m=4
